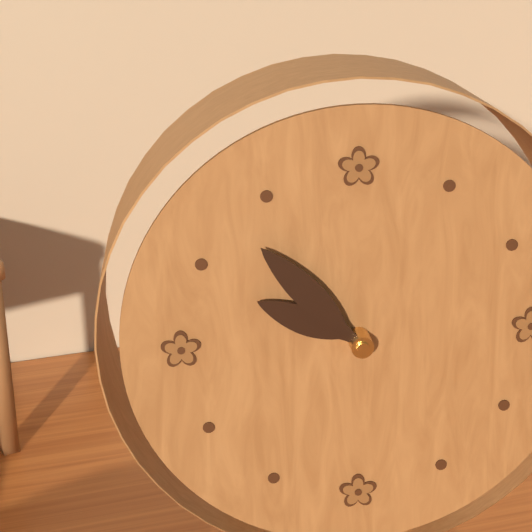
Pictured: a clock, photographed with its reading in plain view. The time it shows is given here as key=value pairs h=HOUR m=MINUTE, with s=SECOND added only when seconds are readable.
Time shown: h=9 m=53
